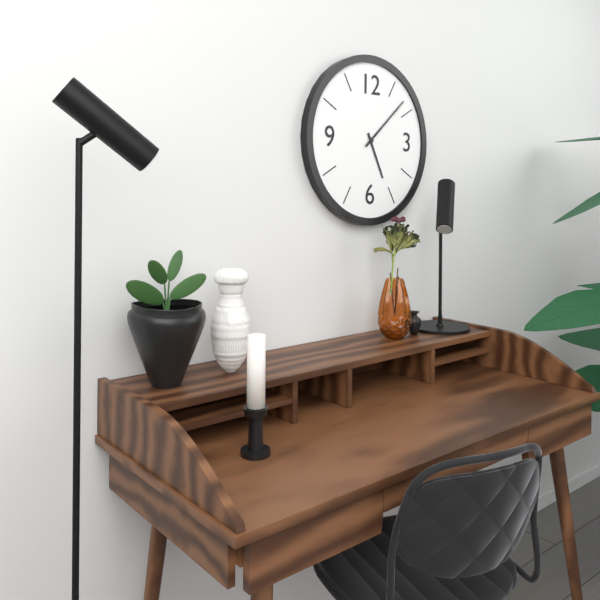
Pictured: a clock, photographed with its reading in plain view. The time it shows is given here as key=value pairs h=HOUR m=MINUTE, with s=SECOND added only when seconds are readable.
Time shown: h=5 m=8
